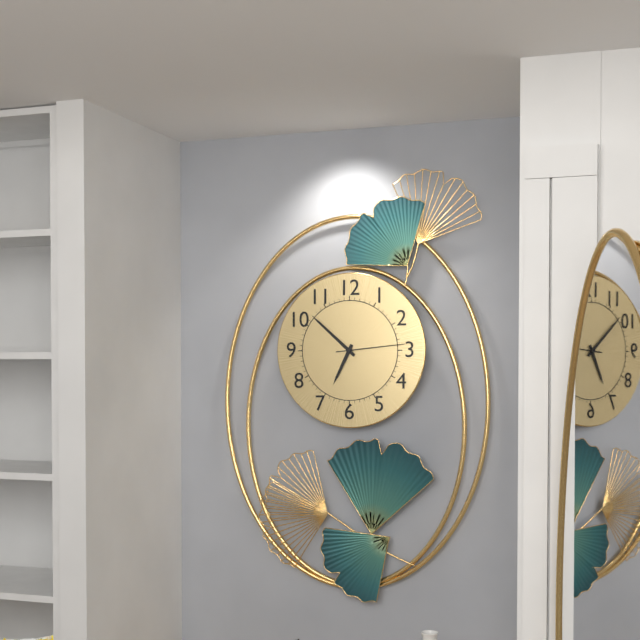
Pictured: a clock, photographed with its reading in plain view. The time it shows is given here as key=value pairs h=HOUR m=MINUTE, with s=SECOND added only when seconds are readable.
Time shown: h=6 m=52 s=14
